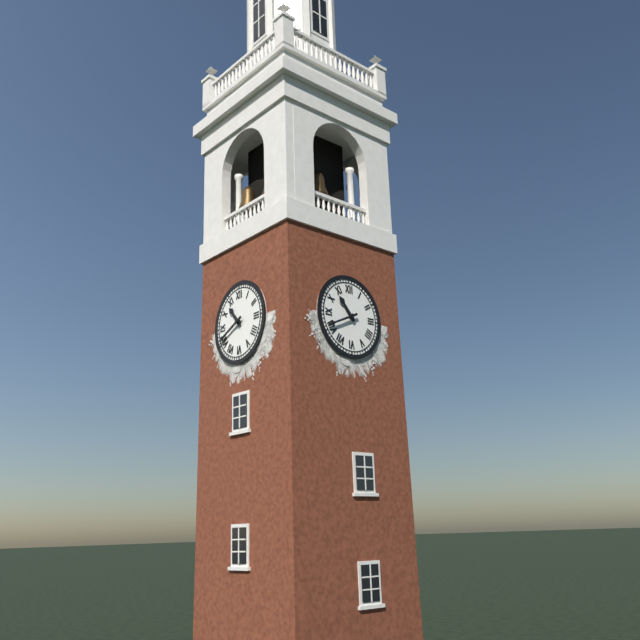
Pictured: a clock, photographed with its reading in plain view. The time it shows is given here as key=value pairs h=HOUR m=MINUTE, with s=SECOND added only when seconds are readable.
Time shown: h=10 m=41
